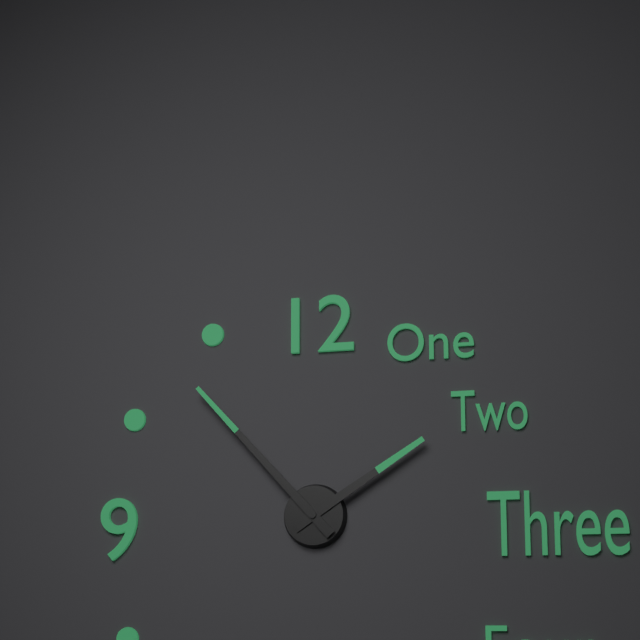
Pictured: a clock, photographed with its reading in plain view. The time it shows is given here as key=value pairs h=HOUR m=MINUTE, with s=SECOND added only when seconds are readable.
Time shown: h=1 m=53
